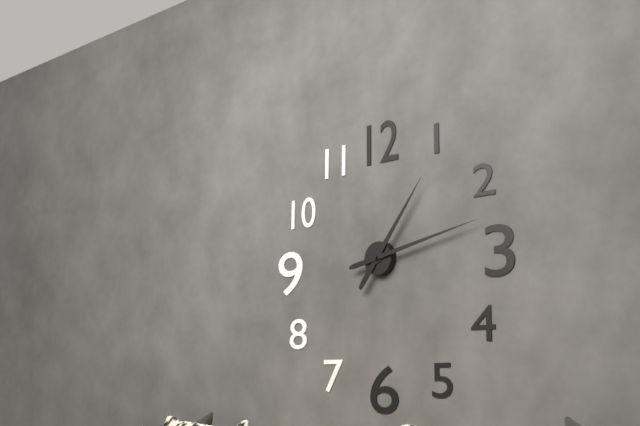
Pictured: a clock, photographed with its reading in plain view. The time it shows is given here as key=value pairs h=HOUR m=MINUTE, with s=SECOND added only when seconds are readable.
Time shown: h=1 m=13
